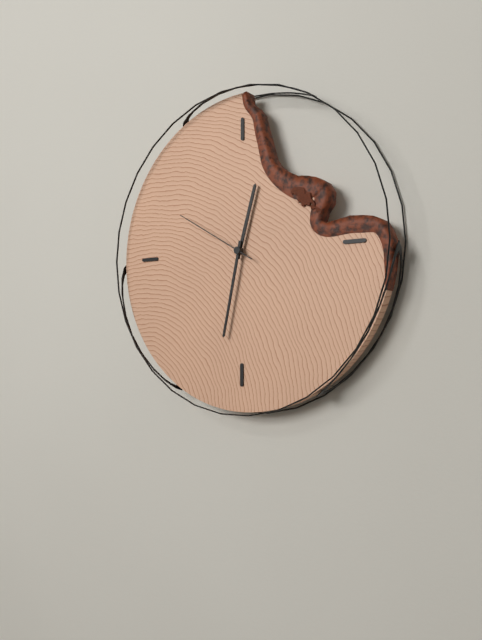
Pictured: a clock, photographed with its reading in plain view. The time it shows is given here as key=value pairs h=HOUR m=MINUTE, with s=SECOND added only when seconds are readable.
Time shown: h=12 m=32 s=50
